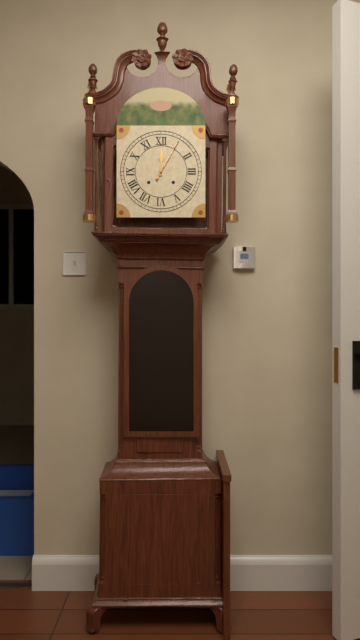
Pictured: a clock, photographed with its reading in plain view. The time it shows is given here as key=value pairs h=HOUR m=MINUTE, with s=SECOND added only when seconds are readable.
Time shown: h=12 m=5
